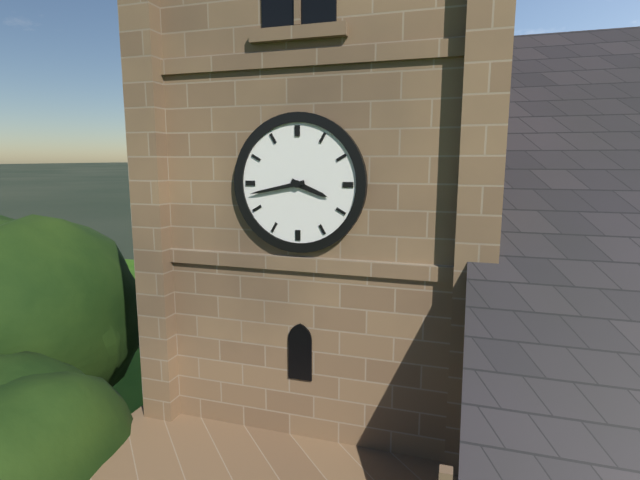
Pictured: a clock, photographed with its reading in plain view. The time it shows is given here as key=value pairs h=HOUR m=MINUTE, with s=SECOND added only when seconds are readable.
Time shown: h=3 m=43
